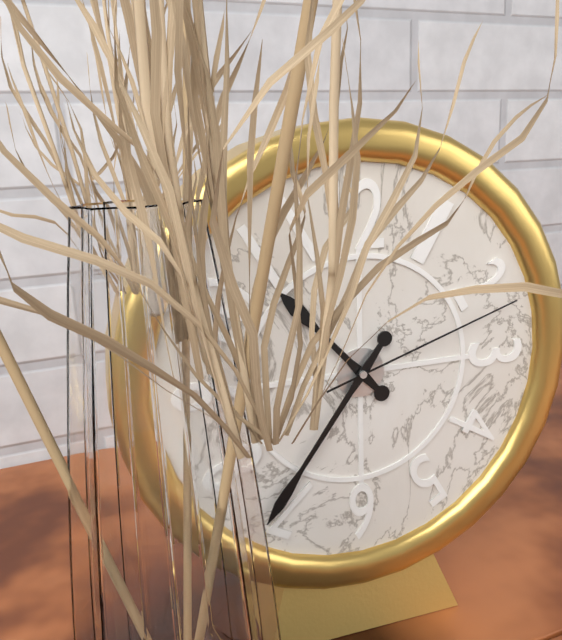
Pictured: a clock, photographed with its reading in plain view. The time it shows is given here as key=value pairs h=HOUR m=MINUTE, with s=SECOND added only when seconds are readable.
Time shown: h=10 m=36 s=12
